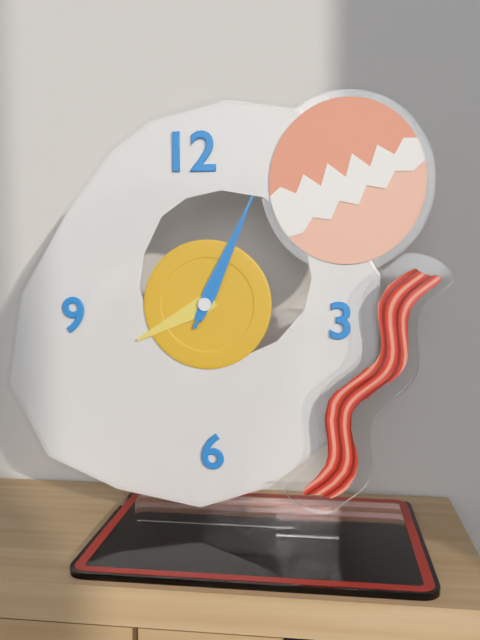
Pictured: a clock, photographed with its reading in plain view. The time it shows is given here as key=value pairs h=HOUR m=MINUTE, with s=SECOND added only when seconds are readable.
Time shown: h=8 m=4 s=4
